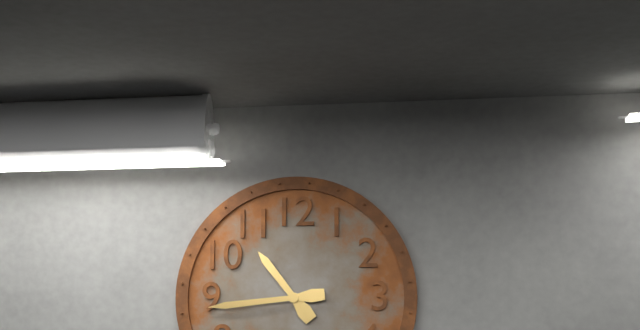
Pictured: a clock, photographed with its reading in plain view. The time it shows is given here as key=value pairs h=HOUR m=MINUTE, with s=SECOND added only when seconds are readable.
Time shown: h=10 m=44
